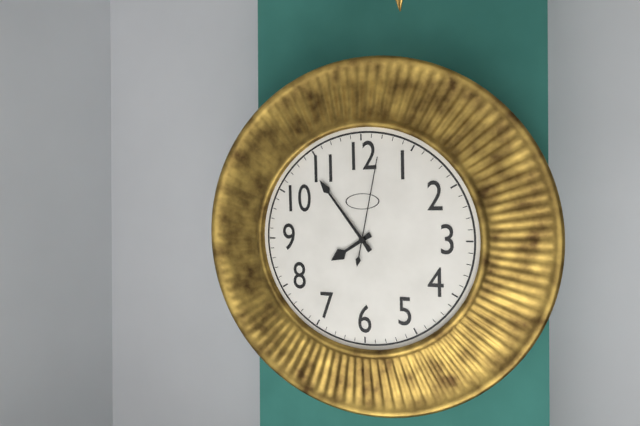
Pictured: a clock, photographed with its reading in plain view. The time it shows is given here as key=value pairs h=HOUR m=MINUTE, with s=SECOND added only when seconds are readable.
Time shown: h=7 m=54 s=2
